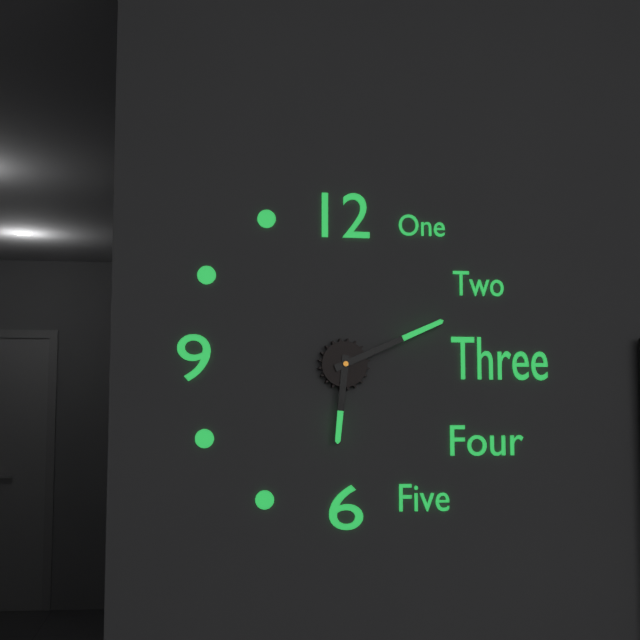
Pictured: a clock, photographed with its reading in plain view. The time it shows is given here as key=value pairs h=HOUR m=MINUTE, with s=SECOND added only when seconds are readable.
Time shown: h=6 m=11
